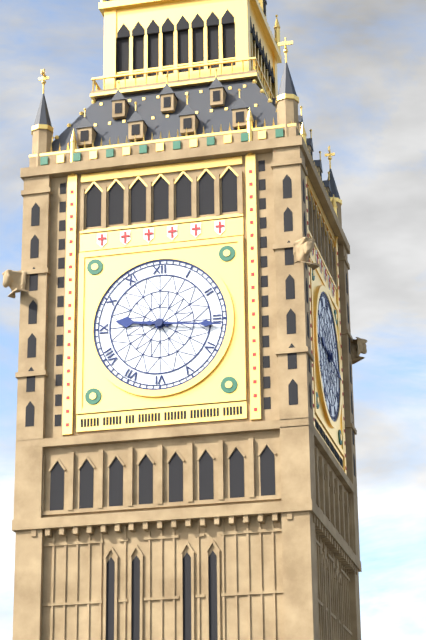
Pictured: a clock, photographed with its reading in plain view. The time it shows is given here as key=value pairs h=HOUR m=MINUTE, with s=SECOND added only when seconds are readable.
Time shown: h=9 m=16
